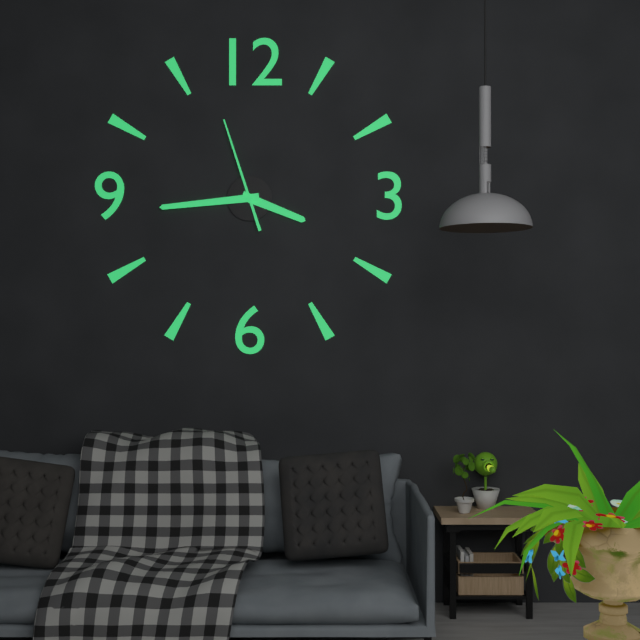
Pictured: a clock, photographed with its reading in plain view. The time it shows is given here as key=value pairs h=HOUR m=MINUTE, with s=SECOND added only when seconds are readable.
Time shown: h=3 m=44 s=57
